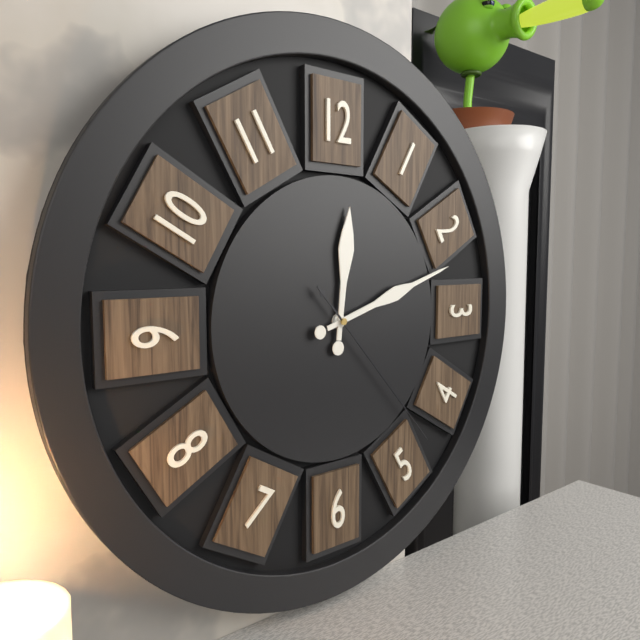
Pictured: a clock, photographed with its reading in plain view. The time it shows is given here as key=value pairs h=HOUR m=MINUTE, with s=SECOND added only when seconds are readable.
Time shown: h=12 m=12 s=23
